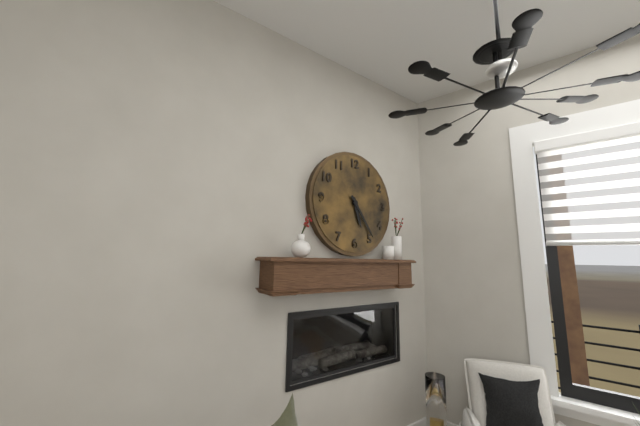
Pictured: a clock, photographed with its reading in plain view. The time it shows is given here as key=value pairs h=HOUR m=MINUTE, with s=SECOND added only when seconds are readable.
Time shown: h=5 m=24
